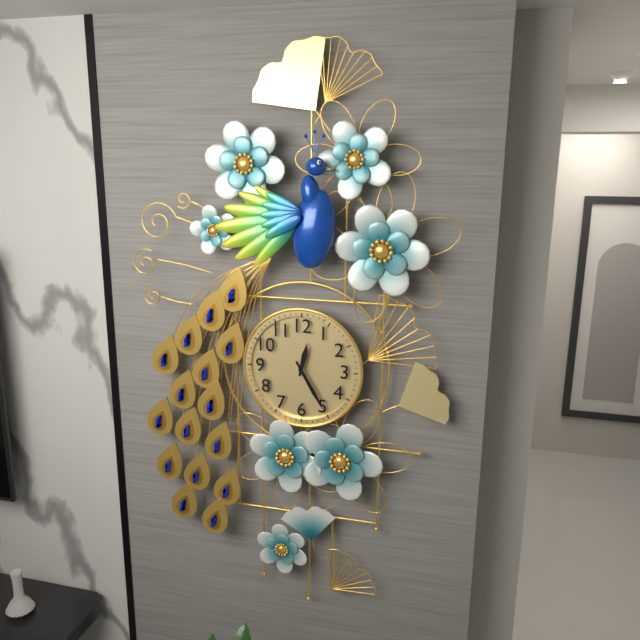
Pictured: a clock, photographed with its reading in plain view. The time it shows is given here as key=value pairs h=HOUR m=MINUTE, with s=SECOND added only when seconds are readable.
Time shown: h=12 m=25
